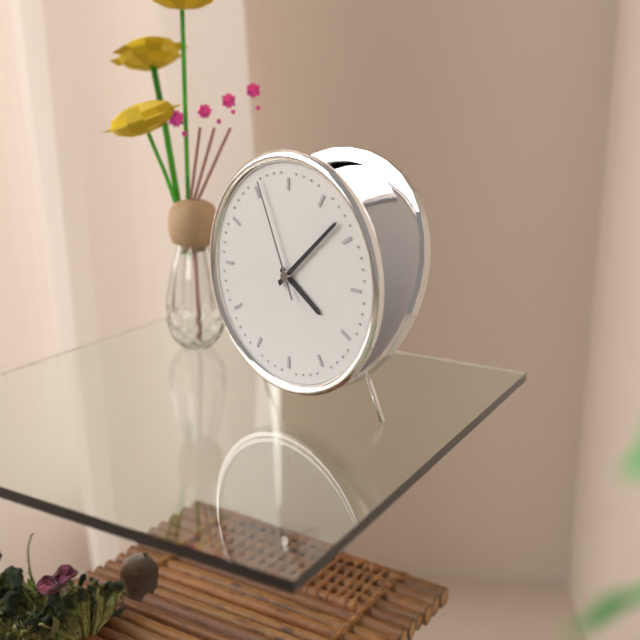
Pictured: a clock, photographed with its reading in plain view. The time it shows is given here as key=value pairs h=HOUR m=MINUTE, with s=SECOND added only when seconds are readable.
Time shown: h=4 m=8 s=56
